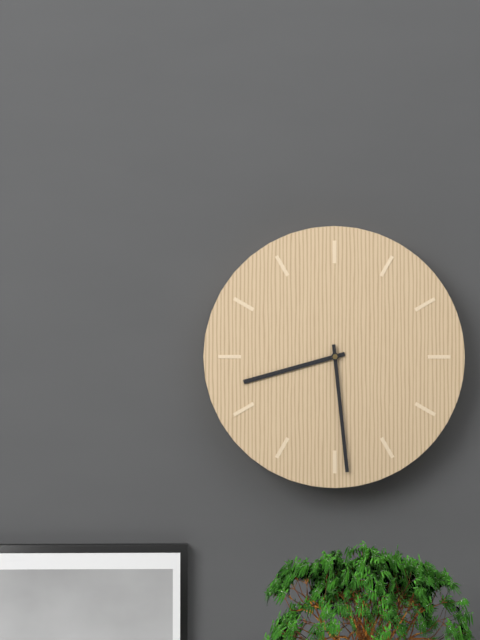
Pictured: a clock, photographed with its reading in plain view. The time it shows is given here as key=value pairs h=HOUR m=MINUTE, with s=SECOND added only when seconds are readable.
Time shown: h=8 m=29
